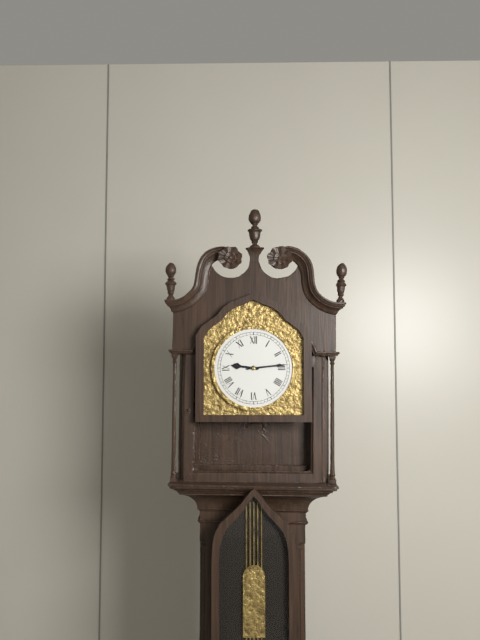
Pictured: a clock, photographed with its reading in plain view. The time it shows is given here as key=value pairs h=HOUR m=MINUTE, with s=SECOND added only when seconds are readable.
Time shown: h=9 m=14
